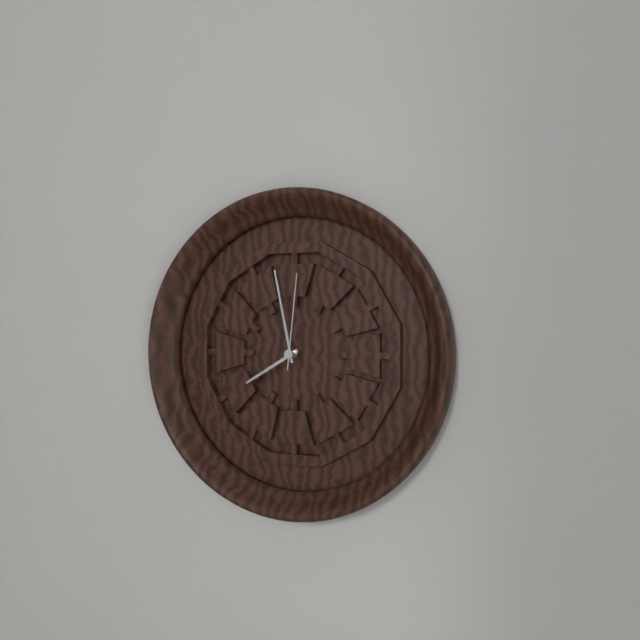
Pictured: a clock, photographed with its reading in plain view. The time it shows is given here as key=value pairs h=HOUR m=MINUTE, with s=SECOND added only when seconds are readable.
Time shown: h=7 m=58 s=1
